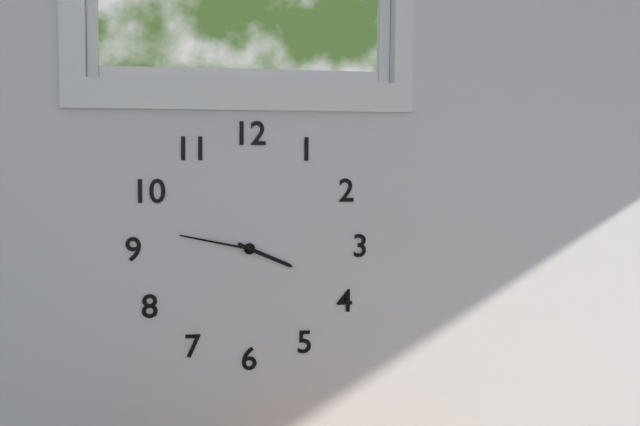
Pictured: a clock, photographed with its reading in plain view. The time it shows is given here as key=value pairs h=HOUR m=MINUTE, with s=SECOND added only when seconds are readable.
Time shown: h=3 m=47
